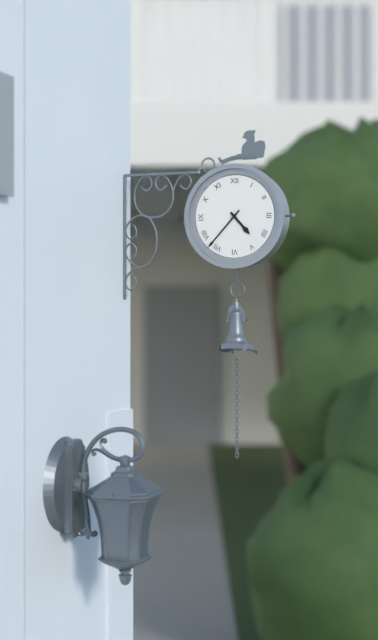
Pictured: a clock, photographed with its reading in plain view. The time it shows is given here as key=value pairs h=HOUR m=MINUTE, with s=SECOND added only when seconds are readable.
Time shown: h=4 m=37
